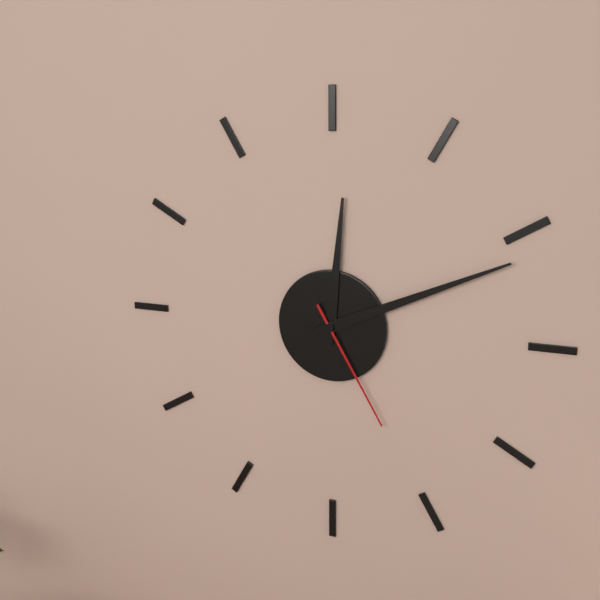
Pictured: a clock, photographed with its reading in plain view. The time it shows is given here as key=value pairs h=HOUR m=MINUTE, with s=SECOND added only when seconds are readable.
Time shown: h=12 m=11 s=25
